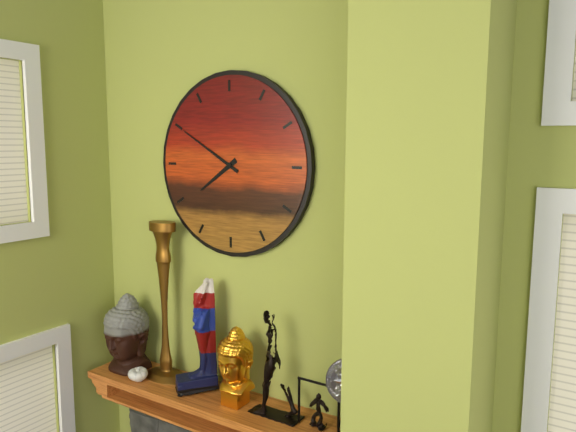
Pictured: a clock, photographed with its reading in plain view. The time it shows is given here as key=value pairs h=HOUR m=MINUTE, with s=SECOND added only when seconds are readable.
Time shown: h=7 m=50
